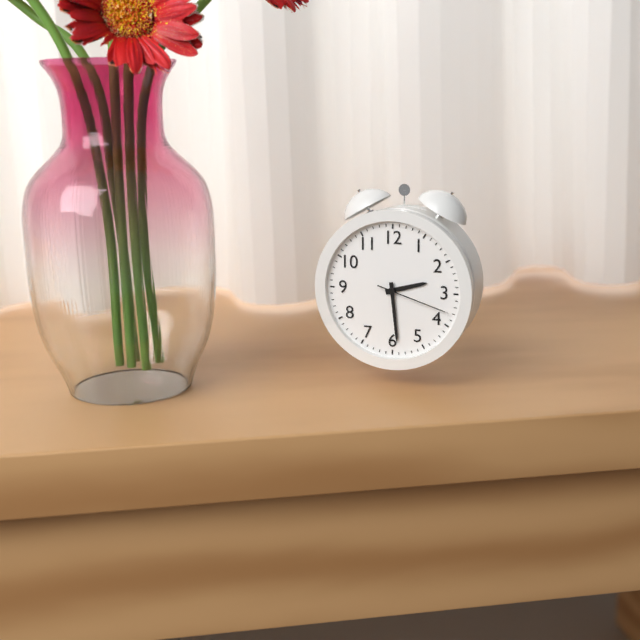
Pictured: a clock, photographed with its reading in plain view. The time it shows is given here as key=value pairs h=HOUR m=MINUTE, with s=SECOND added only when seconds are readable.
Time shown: h=2 m=29 s=18
